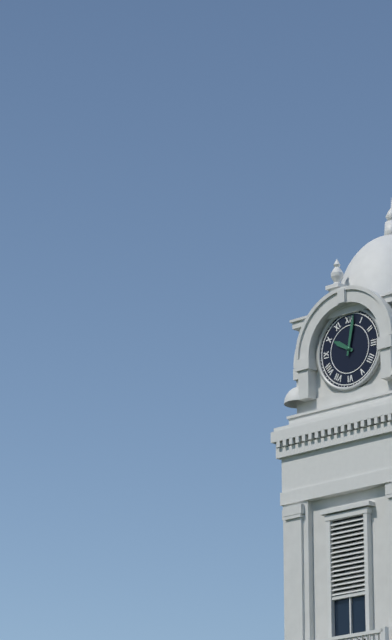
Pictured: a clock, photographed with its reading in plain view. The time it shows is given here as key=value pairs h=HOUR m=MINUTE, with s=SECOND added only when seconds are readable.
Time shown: h=10 m=2
